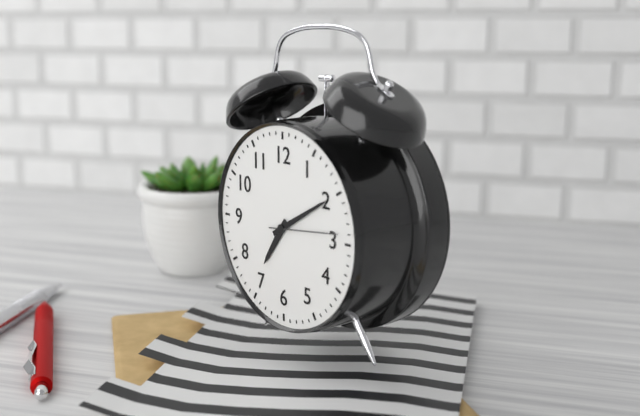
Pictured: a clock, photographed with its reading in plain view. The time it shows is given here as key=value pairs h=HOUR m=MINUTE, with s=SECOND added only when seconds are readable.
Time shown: h=7 m=10
